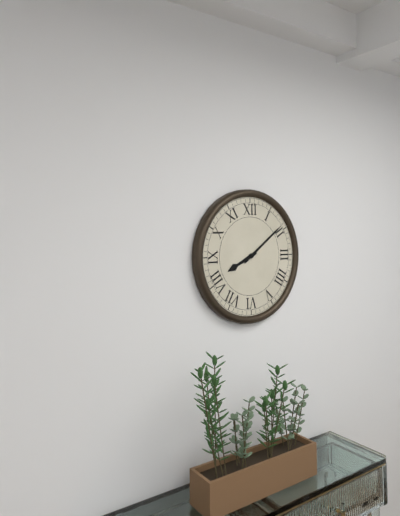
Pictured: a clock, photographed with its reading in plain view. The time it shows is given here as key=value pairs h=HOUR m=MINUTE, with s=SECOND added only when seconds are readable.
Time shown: h=8 m=9
